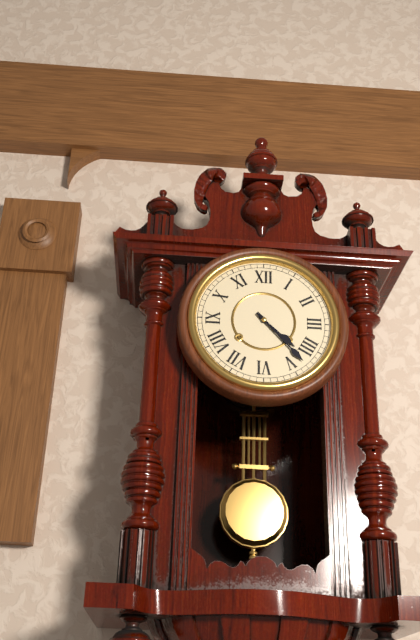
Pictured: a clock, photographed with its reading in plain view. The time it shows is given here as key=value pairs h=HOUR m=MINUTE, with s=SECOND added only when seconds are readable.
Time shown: h=4 m=23
